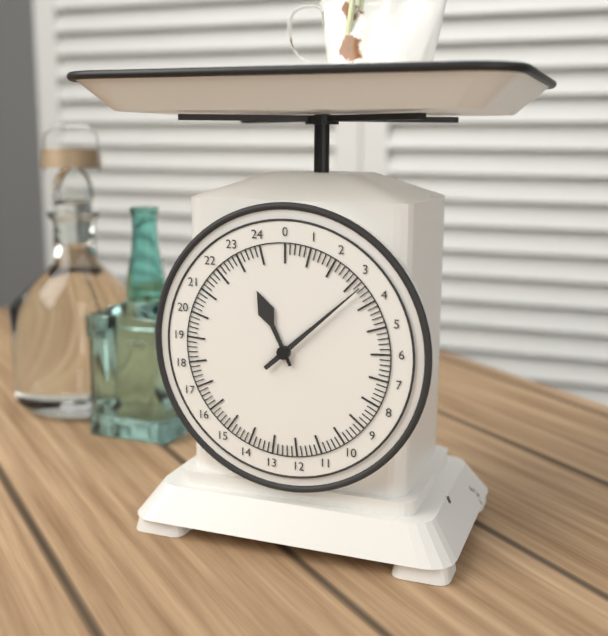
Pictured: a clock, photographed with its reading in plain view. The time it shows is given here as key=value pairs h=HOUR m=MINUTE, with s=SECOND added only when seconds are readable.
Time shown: h=11 m=8
